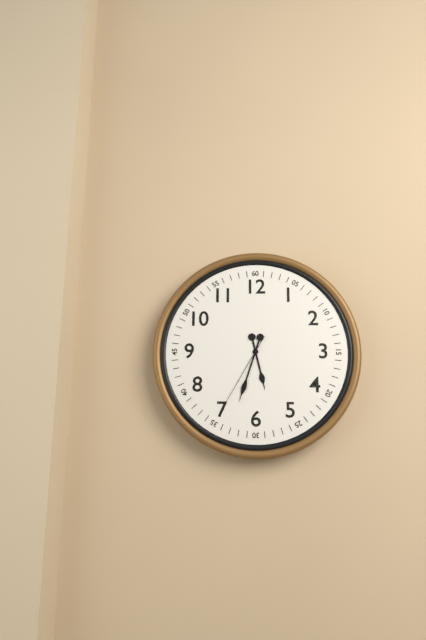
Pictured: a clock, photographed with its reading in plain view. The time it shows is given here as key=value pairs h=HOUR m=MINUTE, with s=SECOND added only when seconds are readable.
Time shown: h=5 m=33 s=35
